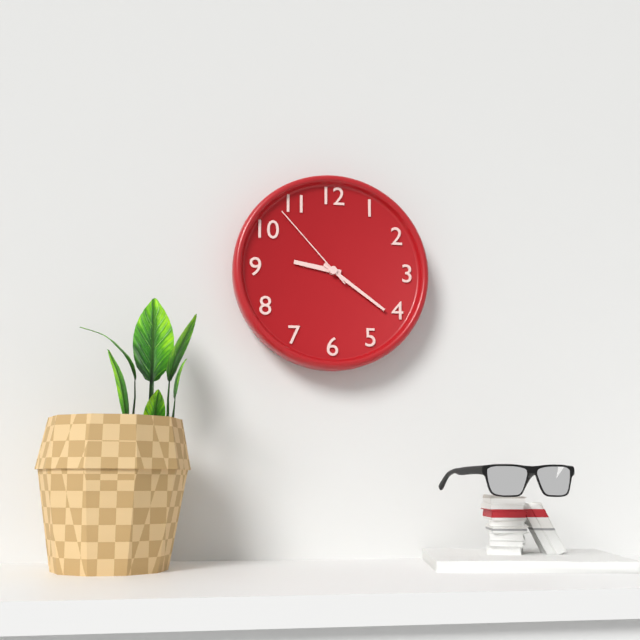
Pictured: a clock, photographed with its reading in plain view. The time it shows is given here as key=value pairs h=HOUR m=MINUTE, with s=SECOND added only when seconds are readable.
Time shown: h=9 m=21 s=53
